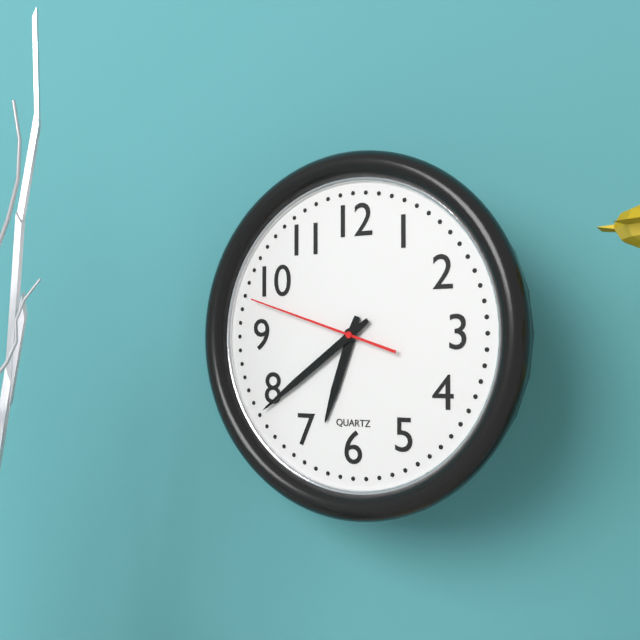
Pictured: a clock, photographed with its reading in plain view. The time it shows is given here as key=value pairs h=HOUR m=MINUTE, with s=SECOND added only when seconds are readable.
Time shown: h=6 m=39 s=48
